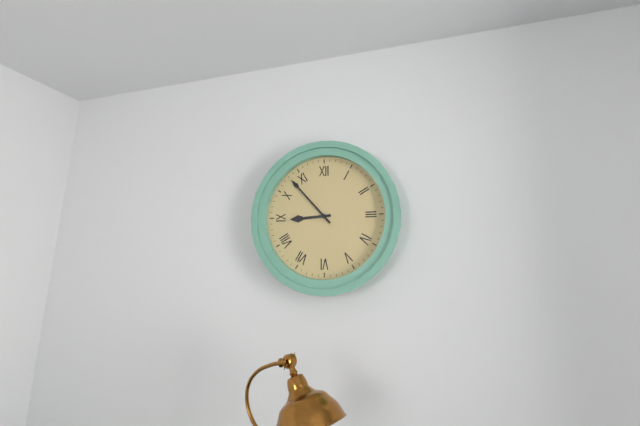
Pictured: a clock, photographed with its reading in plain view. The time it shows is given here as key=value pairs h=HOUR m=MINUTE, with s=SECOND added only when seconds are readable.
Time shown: h=8 m=53
